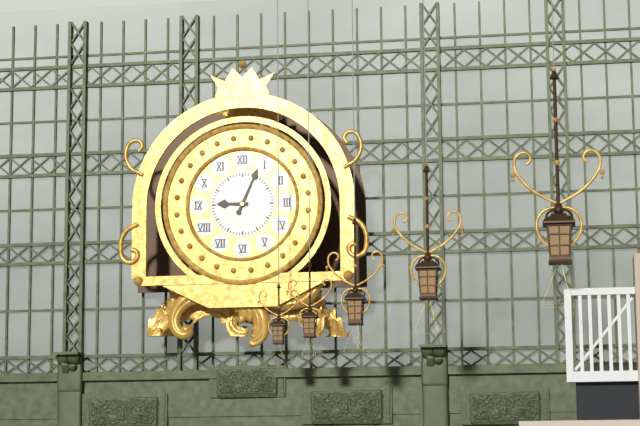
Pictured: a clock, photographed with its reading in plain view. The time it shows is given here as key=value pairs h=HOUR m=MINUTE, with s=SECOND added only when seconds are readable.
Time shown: h=9 m=4
